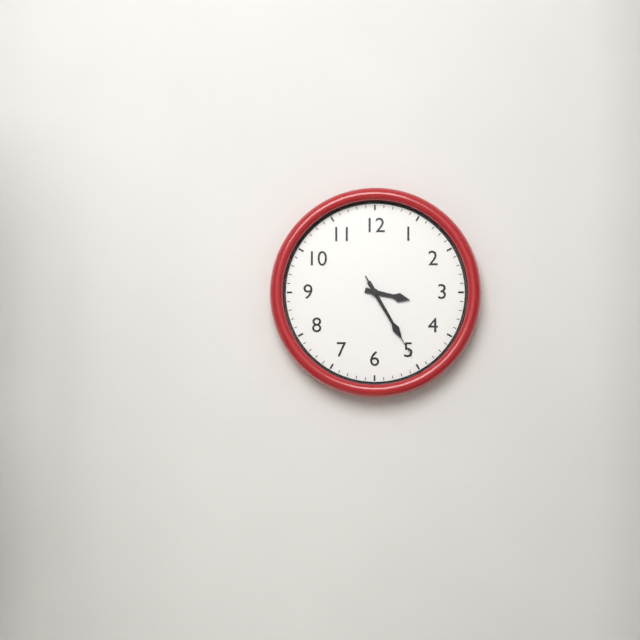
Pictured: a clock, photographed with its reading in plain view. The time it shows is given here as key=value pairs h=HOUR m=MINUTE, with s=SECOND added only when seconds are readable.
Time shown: h=3 m=25 s=25
